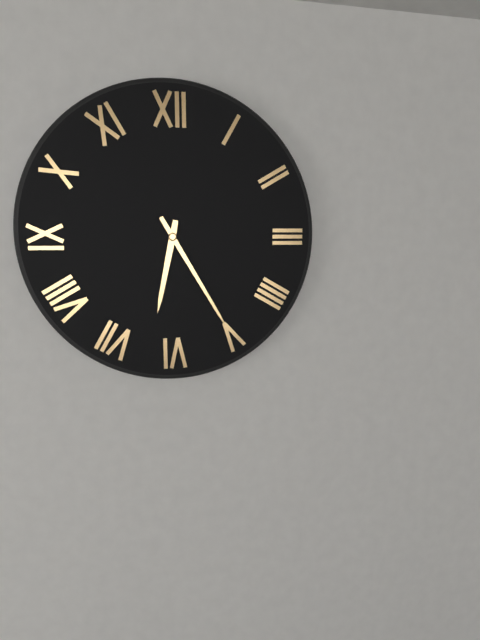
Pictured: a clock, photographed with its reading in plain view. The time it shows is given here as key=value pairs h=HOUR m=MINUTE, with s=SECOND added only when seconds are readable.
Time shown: h=6 m=25
